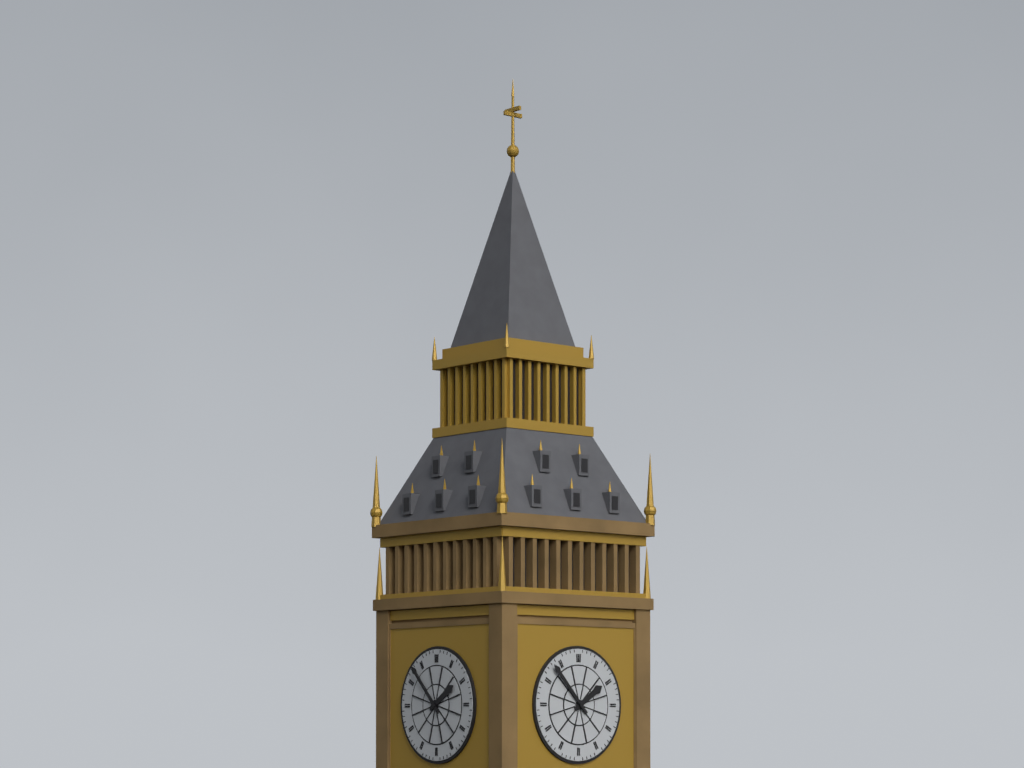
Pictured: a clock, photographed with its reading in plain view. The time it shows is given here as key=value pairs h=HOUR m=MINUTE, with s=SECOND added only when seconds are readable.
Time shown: h=1 m=53
